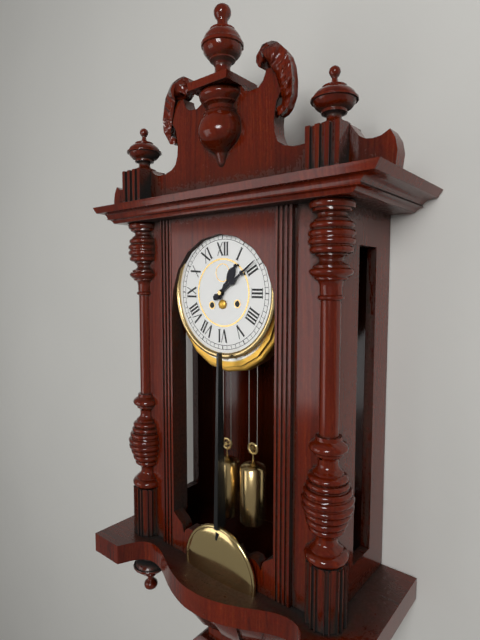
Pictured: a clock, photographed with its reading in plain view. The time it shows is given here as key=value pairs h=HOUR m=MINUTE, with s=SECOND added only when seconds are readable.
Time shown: h=1 m=9
